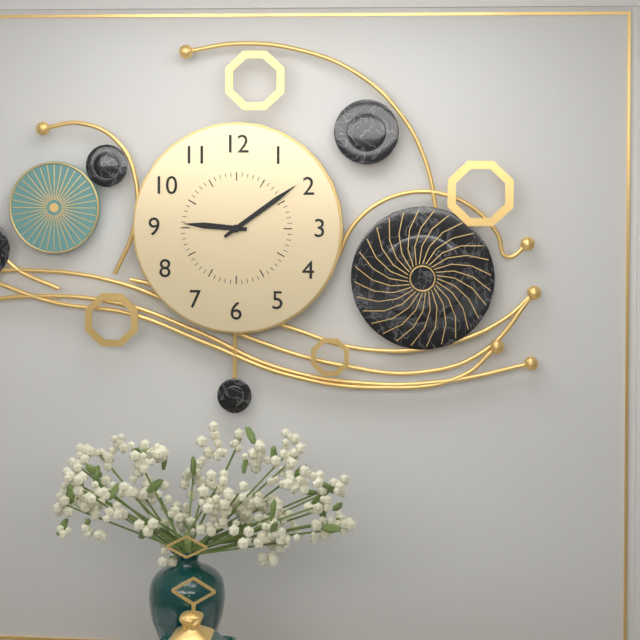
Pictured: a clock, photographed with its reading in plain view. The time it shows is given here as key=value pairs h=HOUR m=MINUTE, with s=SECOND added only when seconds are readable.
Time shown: h=9 m=9
